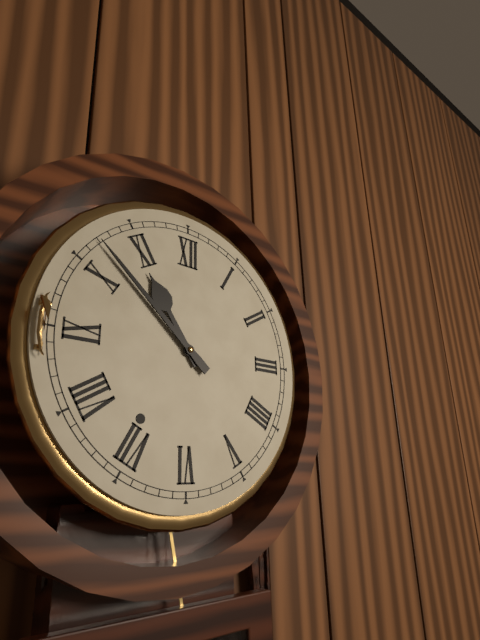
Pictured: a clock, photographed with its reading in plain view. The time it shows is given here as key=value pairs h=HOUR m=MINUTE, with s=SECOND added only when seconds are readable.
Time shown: h=10 m=52
